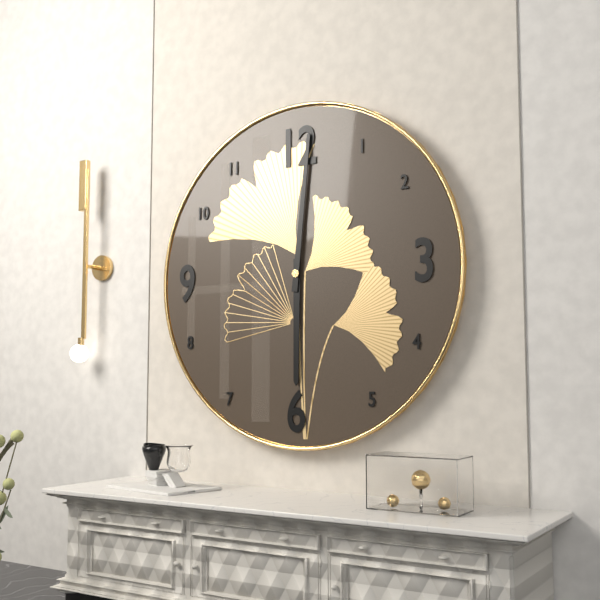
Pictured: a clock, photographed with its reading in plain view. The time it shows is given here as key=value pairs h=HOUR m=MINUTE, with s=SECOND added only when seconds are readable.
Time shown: h=6 m=1
